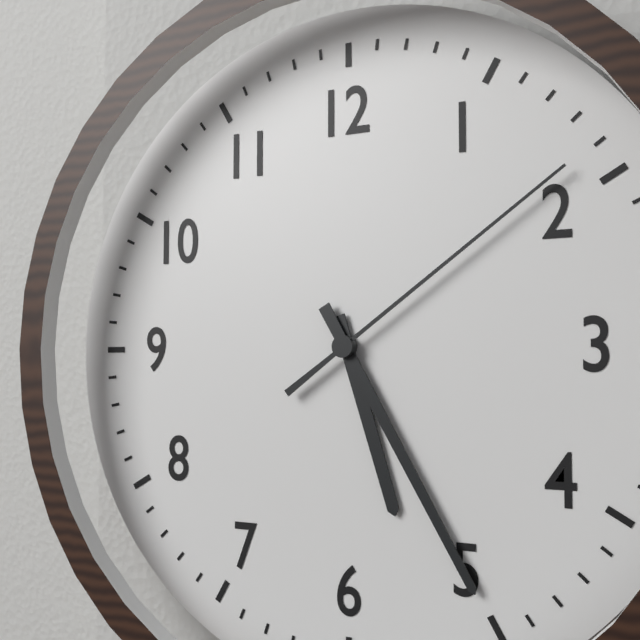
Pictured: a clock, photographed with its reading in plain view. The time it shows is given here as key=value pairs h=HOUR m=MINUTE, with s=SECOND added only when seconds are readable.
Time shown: h=5 m=25 s=9
